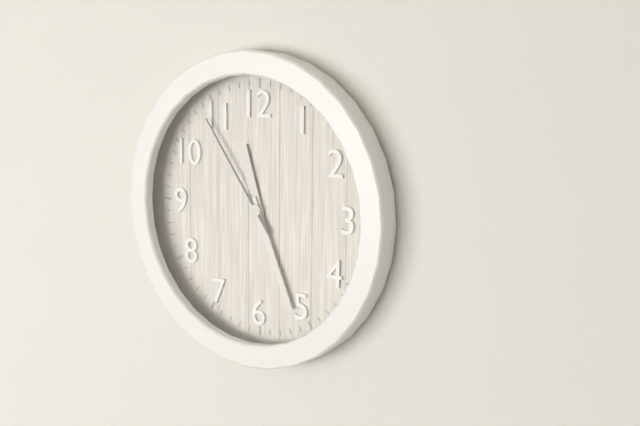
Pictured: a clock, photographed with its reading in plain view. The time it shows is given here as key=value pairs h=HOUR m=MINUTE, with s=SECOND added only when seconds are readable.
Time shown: h=11 m=26 s=54
